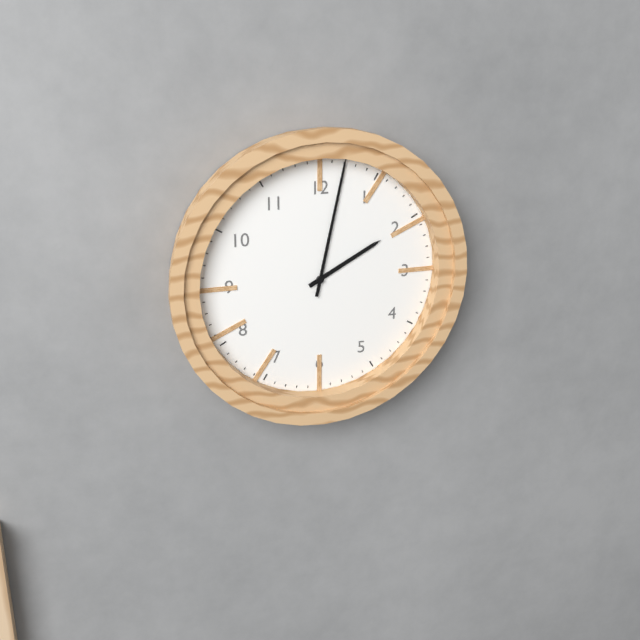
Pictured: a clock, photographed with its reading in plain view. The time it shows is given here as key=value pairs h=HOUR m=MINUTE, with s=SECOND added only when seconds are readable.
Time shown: h=2 m=2
